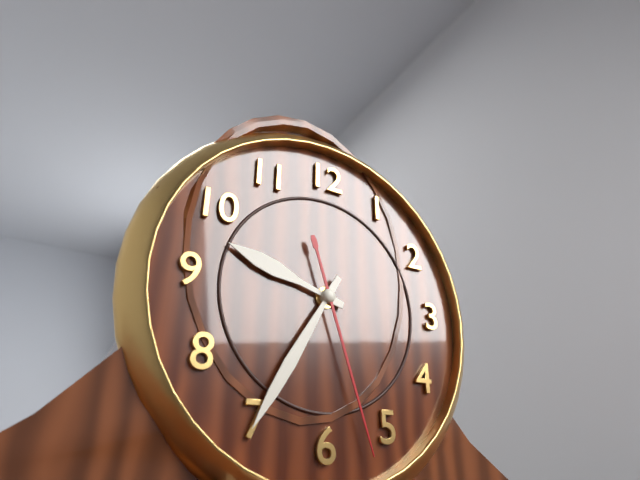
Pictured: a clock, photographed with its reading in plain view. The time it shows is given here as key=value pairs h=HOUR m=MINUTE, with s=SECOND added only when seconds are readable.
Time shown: h=9 m=35 s=27
